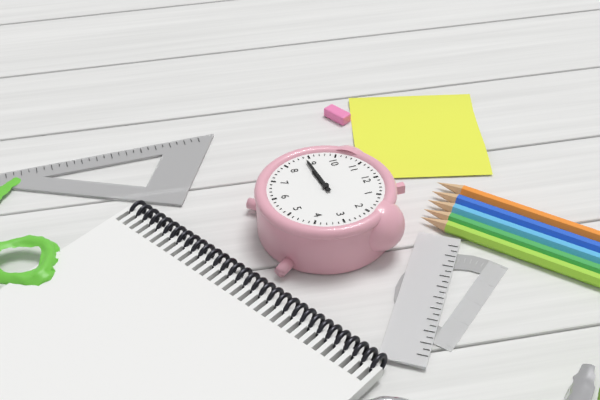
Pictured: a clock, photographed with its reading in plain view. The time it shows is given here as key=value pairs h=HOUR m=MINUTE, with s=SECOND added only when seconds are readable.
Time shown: h=8 m=44
